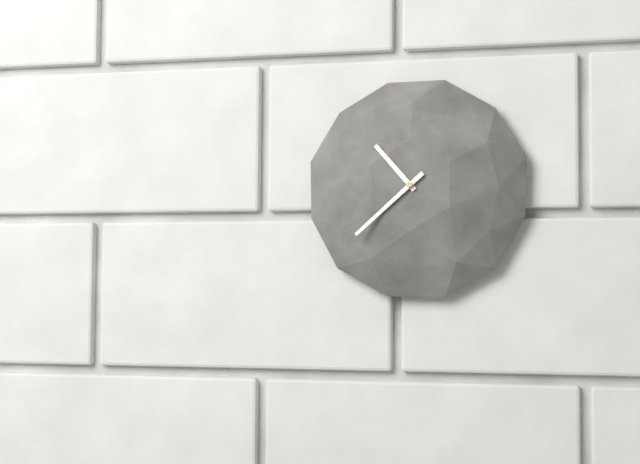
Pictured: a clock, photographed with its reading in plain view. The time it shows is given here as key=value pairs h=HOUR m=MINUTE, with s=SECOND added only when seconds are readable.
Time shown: h=10 m=38
